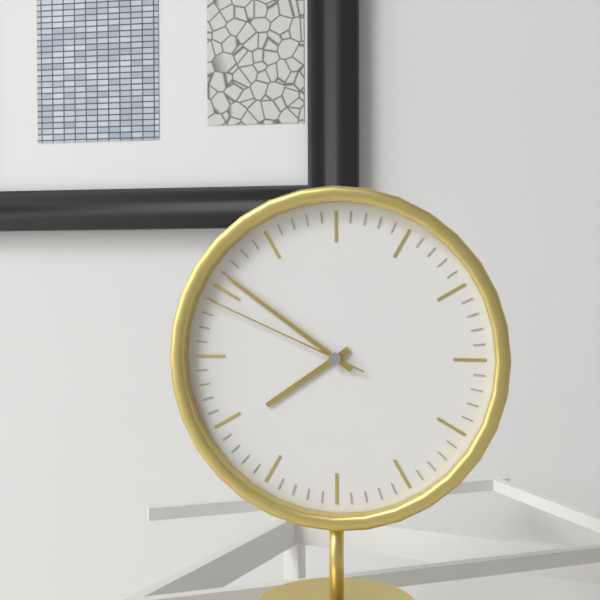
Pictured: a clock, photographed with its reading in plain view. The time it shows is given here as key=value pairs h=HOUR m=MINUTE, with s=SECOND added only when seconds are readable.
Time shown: h=7 m=51 s=49
